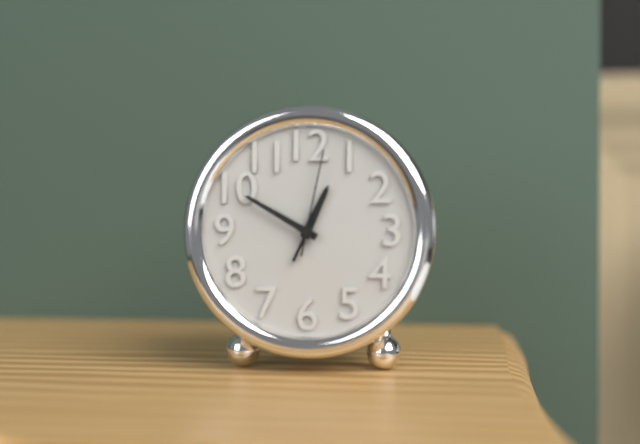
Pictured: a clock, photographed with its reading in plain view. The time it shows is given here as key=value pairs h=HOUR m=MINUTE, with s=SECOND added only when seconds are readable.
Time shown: h=12 m=50 s=2
